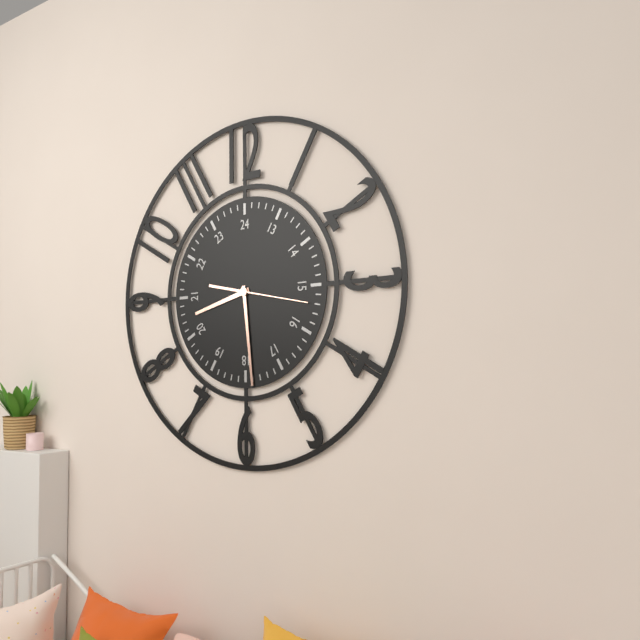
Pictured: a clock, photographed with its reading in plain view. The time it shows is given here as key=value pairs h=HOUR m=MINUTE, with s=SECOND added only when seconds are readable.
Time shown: h=8 m=29 s=17
